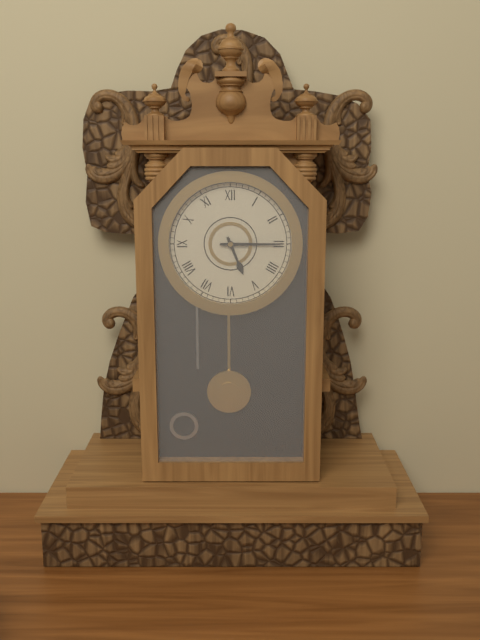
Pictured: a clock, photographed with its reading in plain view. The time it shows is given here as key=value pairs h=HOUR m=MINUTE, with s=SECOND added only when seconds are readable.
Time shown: h=5 m=15
